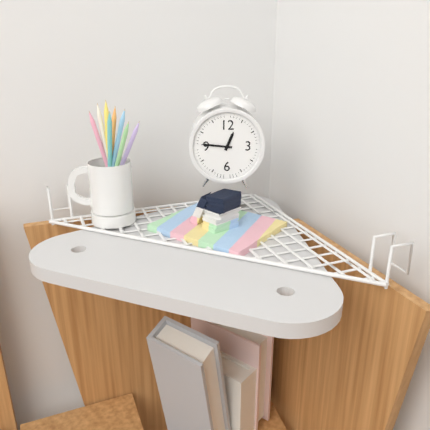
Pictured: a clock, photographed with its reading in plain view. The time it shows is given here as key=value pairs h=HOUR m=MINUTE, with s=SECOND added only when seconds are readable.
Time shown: h=12 m=46
